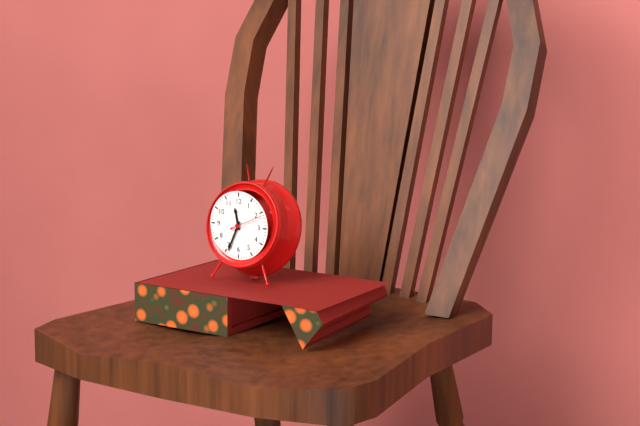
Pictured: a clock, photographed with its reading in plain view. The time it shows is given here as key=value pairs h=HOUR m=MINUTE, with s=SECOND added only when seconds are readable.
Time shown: h=11 m=34
